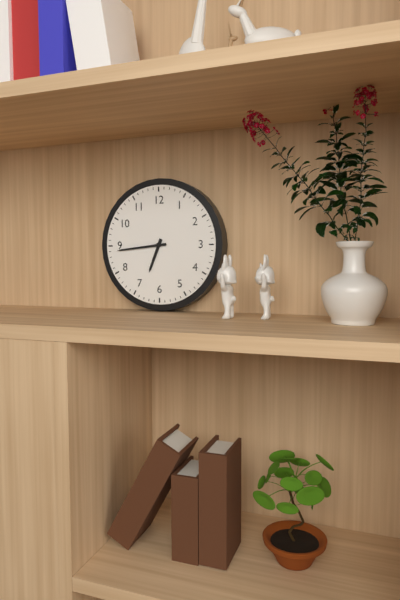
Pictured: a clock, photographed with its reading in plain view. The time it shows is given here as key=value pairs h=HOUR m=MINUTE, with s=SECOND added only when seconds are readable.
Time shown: h=6 m=44
